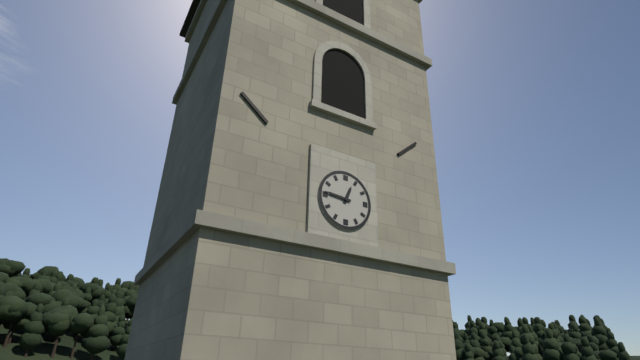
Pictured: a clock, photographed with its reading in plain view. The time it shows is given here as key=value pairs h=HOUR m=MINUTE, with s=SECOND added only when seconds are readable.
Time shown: h=12 m=46
